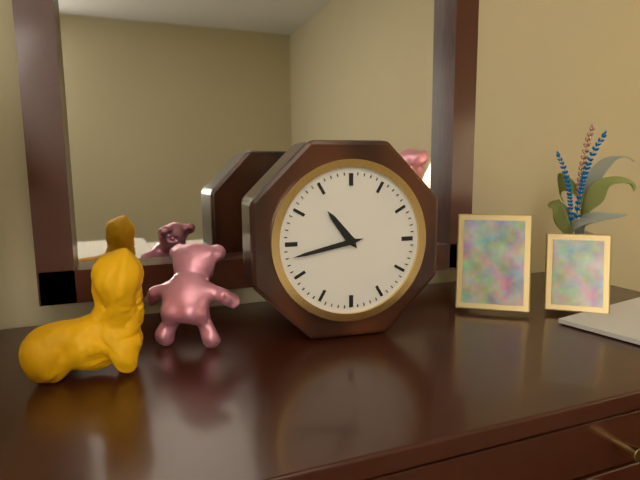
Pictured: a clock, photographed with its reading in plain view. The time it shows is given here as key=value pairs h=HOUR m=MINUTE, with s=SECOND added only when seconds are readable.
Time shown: h=10 m=43
